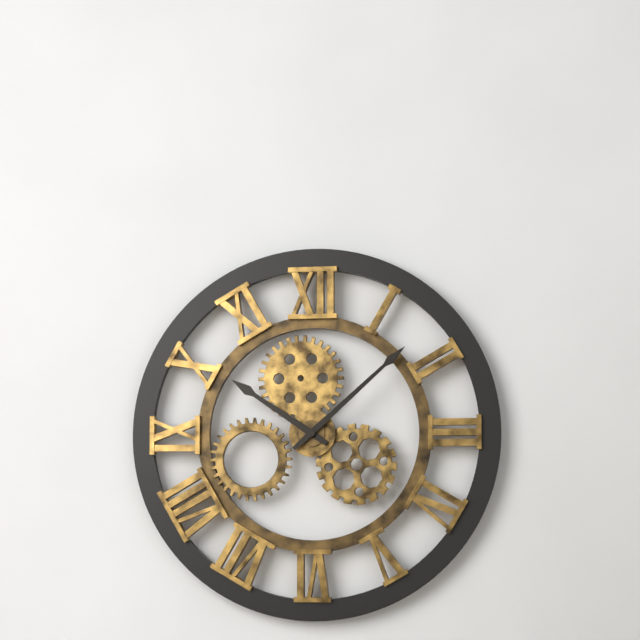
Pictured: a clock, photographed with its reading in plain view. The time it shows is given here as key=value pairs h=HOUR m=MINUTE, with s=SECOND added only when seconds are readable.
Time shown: h=10 m=8
